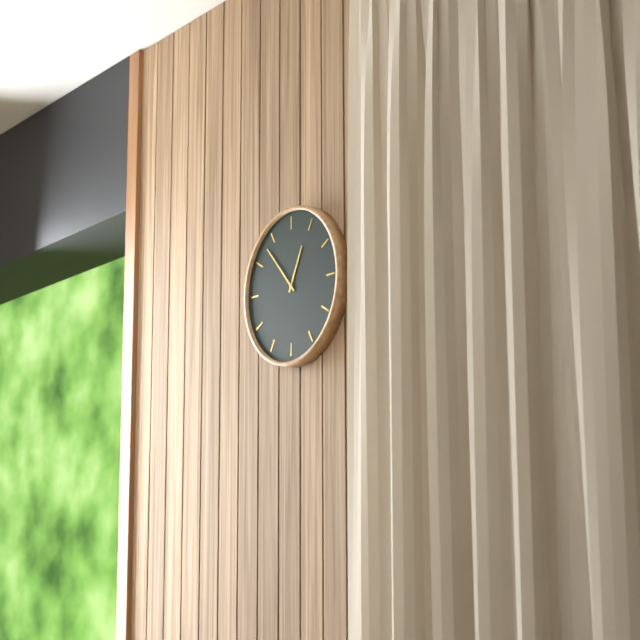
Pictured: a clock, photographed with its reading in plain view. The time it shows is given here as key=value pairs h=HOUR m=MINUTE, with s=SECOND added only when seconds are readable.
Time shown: h=12 m=53
